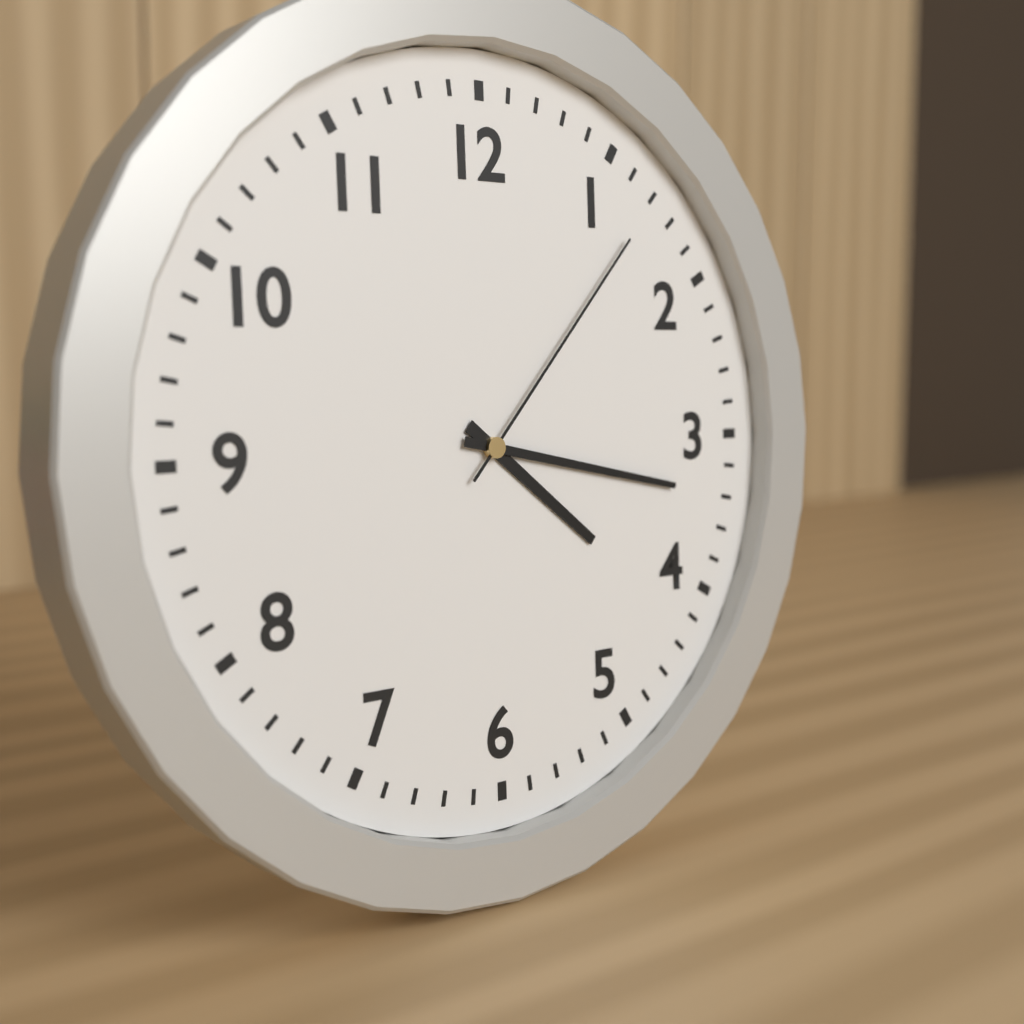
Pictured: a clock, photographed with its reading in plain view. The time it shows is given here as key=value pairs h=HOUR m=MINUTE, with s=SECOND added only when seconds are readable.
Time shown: h=4 m=17 s=7
